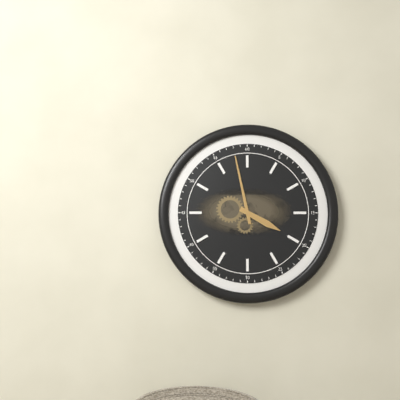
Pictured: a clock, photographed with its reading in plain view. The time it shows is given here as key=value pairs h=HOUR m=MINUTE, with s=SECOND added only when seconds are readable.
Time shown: h=3 m=58
